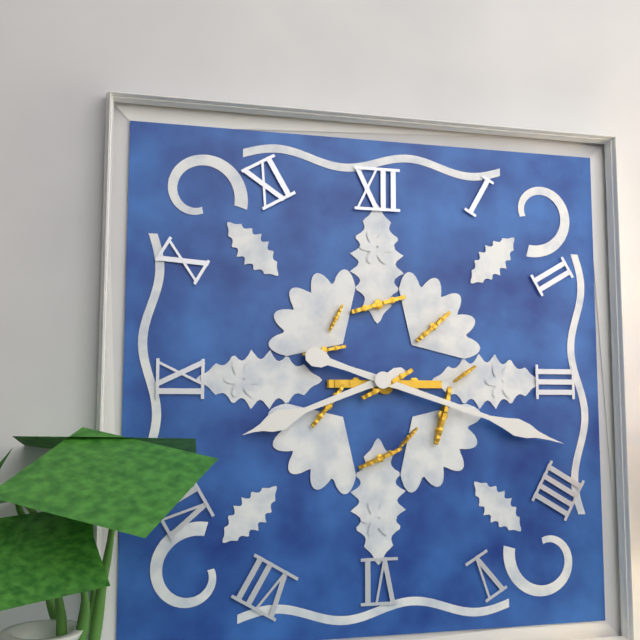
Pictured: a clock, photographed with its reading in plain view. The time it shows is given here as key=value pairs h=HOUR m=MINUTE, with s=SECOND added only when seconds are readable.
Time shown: h=8 m=18
